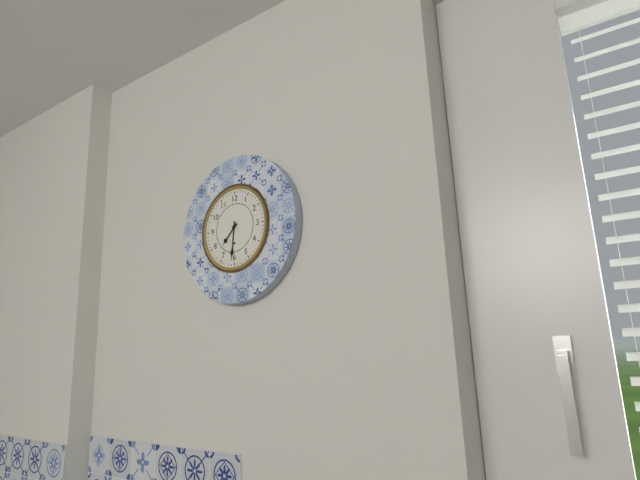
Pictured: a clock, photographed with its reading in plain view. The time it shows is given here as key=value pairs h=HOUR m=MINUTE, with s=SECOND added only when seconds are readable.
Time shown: h=7 m=31
